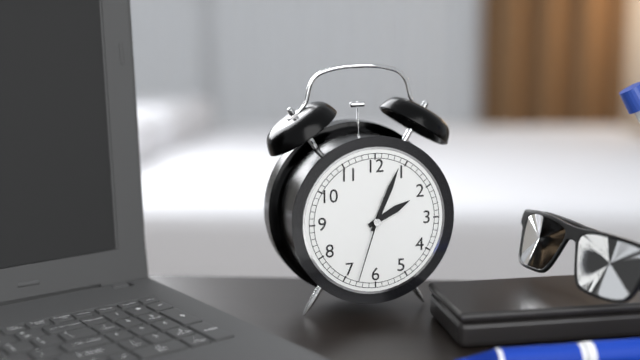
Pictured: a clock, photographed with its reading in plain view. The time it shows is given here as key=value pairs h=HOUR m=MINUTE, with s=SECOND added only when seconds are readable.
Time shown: h=2 m=4 s=33
